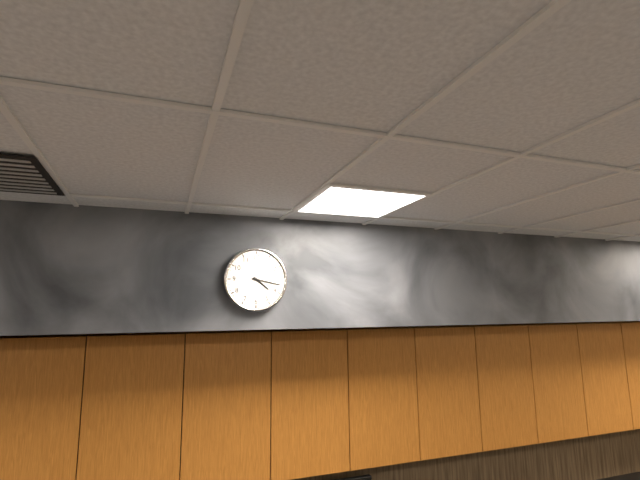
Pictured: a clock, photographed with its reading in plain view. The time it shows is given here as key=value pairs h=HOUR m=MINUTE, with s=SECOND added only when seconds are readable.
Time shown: h=4 m=17
